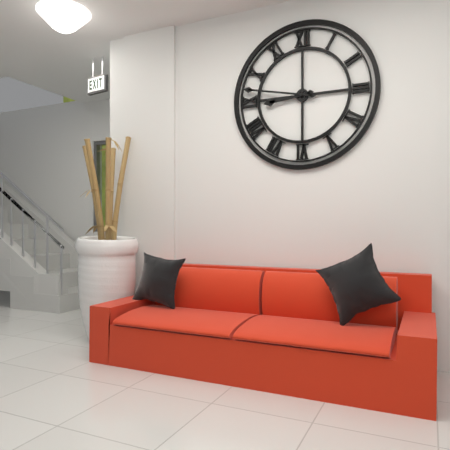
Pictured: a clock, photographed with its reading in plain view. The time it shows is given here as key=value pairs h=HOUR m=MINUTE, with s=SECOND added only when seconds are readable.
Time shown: h=8 m=47
